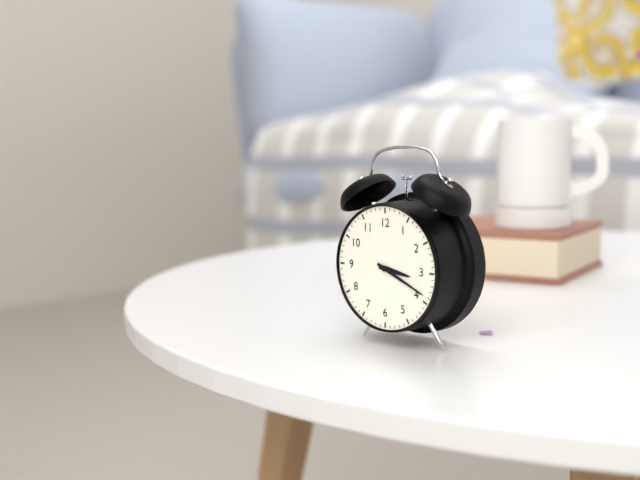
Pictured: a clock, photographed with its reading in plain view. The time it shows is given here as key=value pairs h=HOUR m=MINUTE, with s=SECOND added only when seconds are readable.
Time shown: h=3 m=19
